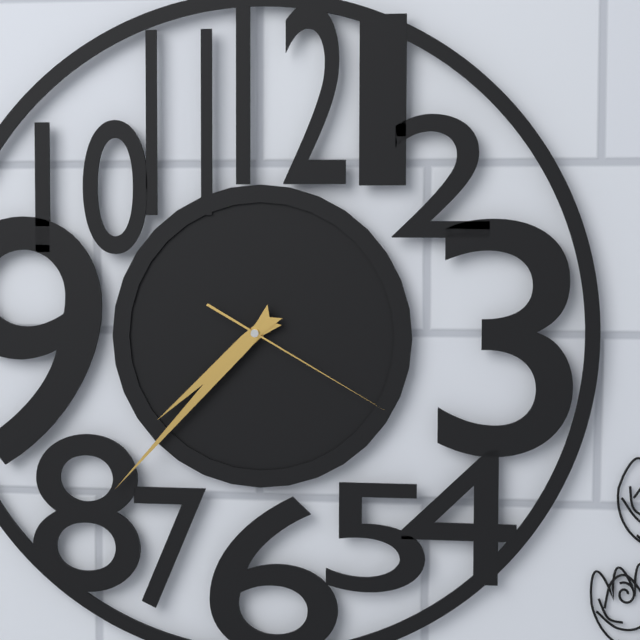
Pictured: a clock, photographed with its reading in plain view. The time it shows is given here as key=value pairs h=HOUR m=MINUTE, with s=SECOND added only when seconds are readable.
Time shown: h=7 m=37 s=20
